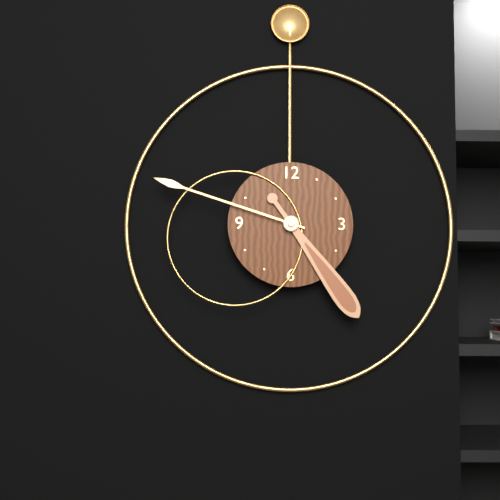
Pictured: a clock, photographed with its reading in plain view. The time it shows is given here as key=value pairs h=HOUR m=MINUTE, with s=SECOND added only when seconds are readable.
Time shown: h=4 m=48
